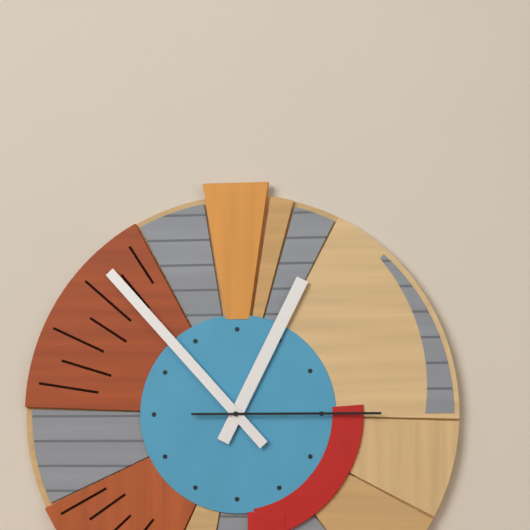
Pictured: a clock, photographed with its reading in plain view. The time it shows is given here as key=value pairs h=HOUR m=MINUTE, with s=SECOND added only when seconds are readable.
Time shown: h=12 m=53 s=15
